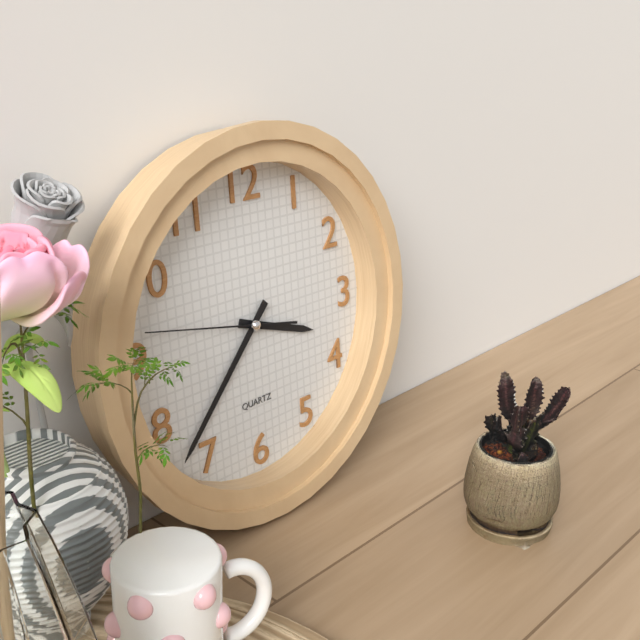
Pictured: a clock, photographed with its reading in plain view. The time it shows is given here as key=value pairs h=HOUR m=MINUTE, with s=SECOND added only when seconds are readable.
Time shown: h=3 m=37 s=47
